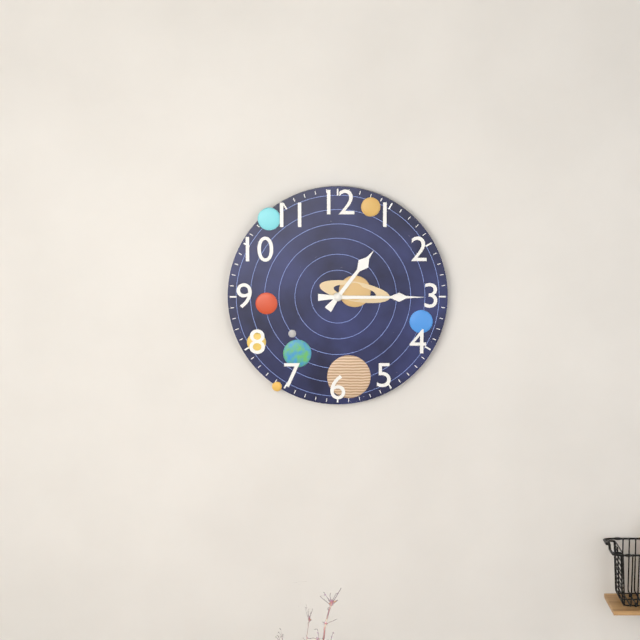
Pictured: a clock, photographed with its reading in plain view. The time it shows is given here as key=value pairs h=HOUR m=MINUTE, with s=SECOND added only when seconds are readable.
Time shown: h=1 m=15
